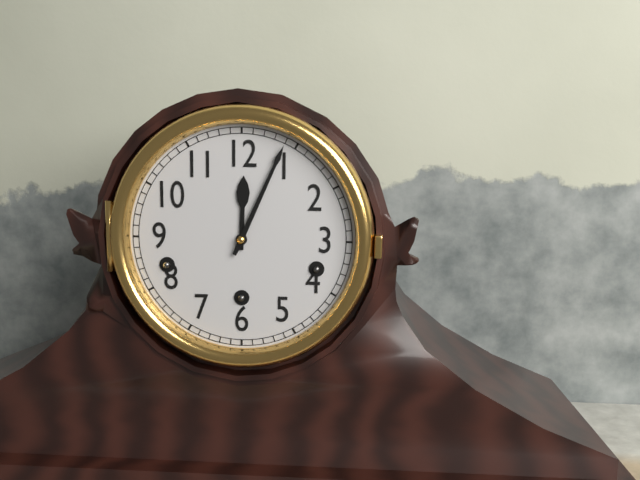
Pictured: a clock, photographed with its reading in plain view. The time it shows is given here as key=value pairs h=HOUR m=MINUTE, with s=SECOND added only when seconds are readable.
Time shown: h=12 m=4
